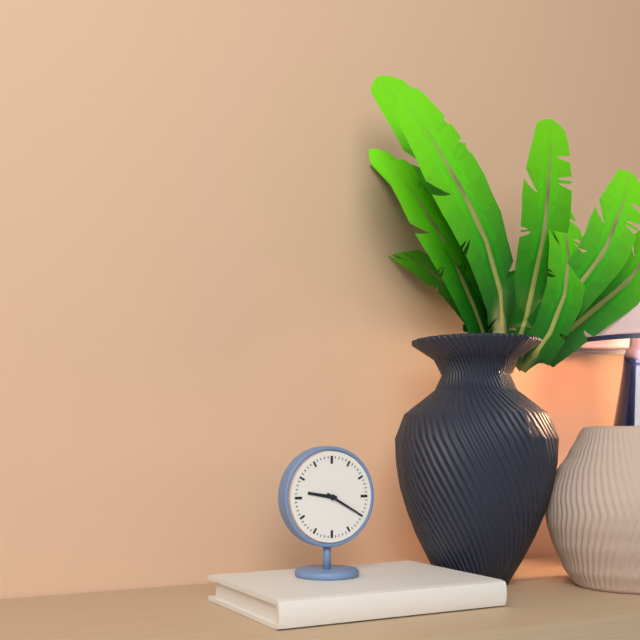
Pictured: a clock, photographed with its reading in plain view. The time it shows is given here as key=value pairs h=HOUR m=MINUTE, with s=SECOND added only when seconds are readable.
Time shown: h=9 m=20
